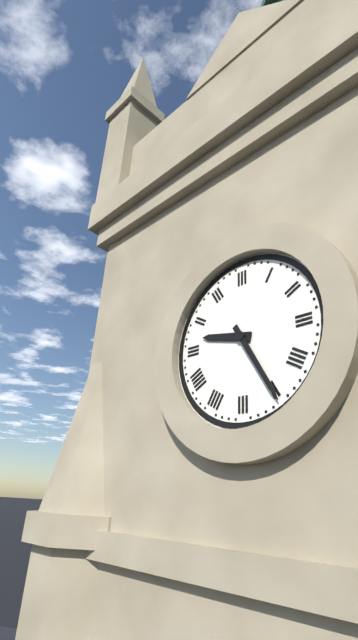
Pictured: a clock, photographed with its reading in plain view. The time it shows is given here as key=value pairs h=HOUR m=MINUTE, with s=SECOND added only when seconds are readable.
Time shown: h=9 m=25
